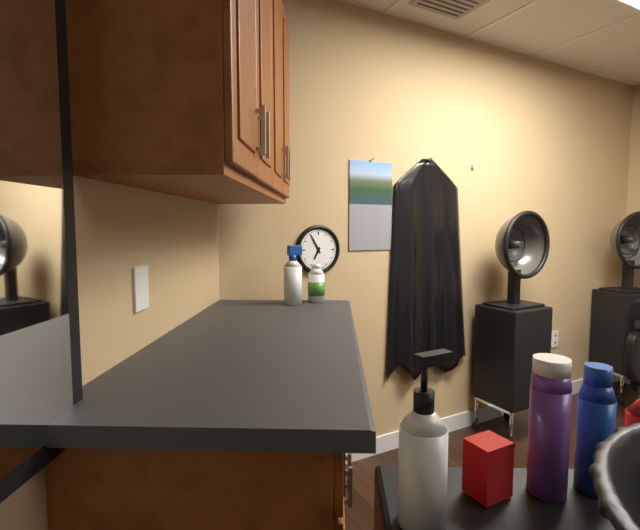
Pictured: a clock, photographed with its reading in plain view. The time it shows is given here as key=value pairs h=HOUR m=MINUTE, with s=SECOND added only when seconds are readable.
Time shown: h=6 m=55
